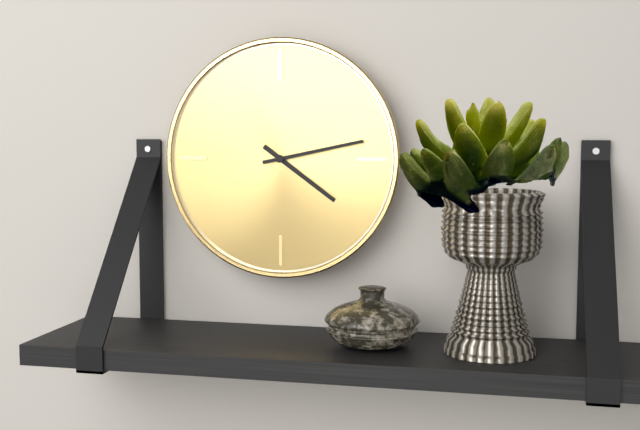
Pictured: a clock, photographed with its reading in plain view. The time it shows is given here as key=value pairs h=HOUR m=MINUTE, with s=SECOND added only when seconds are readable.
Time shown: h=4 m=13
